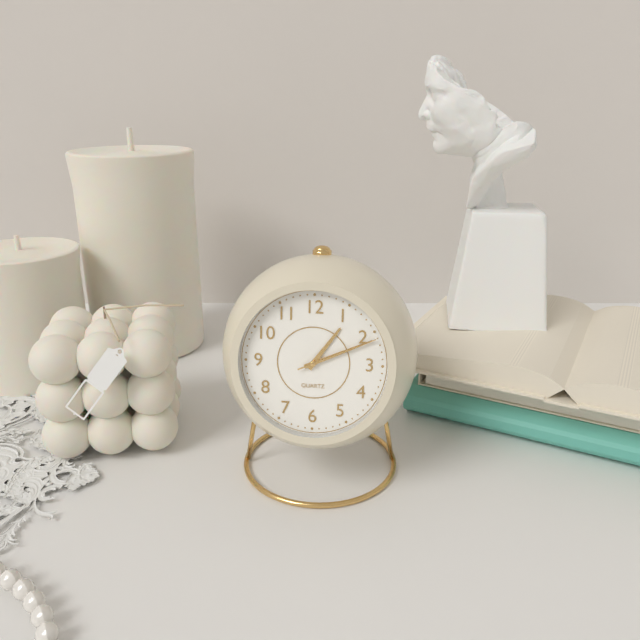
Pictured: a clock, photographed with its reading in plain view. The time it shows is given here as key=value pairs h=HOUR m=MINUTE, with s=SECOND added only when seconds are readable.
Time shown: h=1 m=11 s=11
